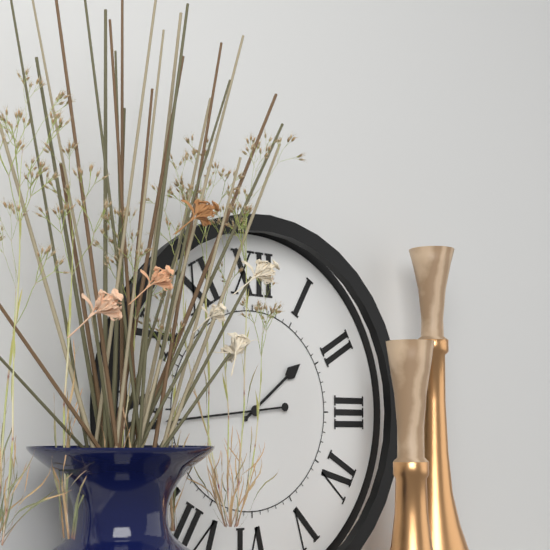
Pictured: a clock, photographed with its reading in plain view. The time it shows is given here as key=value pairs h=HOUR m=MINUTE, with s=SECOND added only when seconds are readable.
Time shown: h=1 m=44
